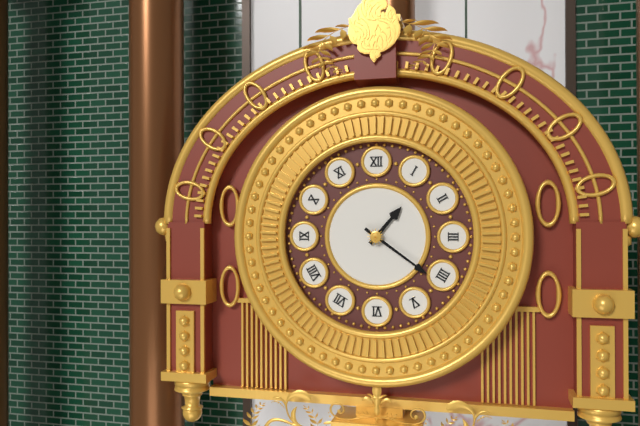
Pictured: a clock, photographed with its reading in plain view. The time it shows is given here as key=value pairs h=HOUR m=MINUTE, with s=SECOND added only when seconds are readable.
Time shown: h=1 m=21
